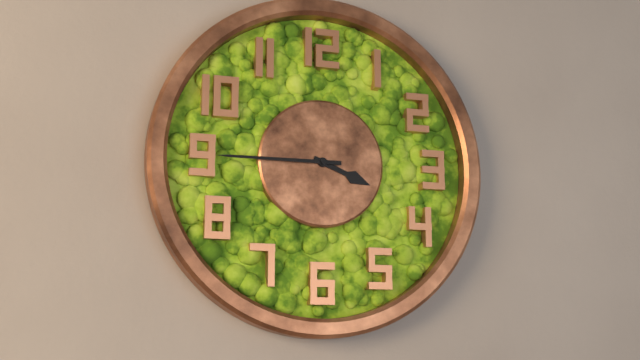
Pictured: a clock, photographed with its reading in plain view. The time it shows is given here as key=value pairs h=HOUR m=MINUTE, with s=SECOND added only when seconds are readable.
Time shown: h=3 m=45
